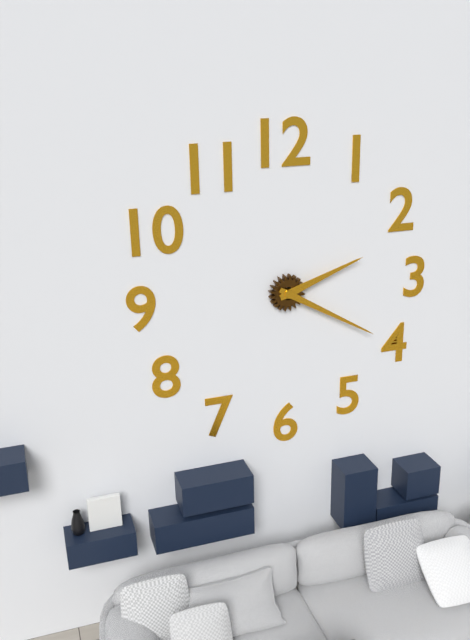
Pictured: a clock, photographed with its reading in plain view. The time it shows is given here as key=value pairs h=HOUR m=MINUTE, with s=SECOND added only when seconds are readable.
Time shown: h=2 m=20
